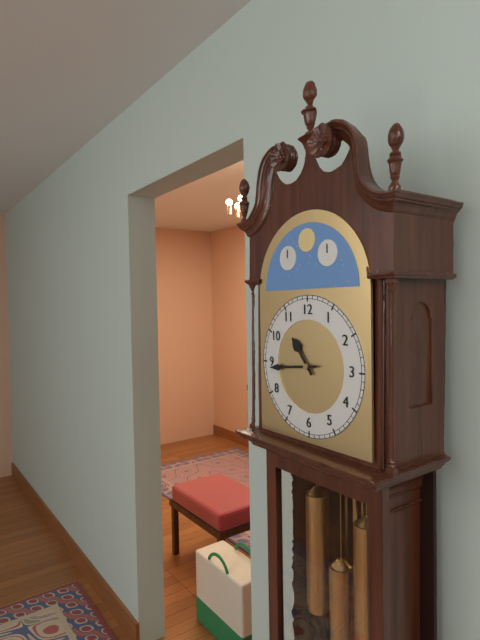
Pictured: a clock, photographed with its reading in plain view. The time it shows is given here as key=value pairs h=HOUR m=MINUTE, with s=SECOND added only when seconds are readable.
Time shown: h=10 m=44
